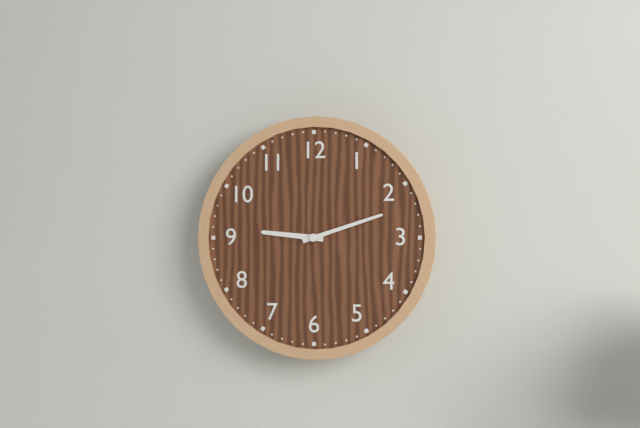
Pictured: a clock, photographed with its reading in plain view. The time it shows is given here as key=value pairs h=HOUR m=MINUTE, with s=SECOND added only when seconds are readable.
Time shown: h=9 m=12
